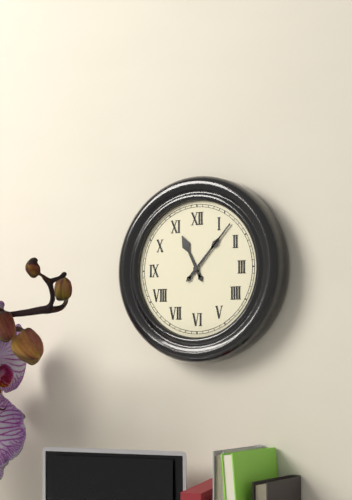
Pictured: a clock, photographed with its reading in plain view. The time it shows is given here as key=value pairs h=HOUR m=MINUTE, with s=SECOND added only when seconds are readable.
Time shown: h=11 m=7
